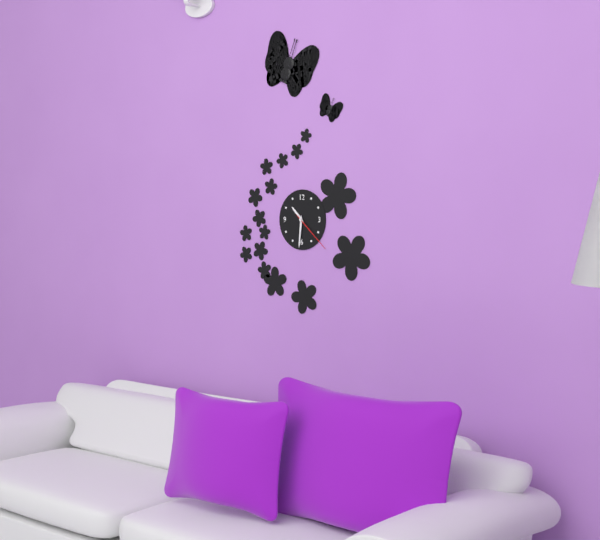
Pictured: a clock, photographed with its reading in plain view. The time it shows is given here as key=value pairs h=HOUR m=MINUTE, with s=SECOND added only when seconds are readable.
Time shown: h=10 m=31
